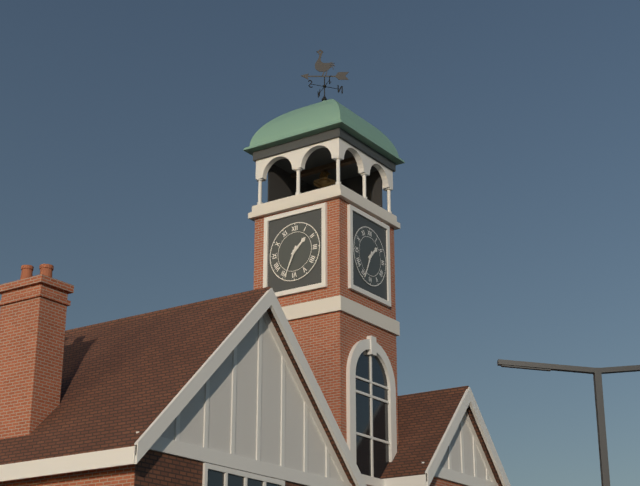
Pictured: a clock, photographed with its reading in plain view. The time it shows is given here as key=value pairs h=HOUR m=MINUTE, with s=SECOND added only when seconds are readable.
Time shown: h=1 m=34
